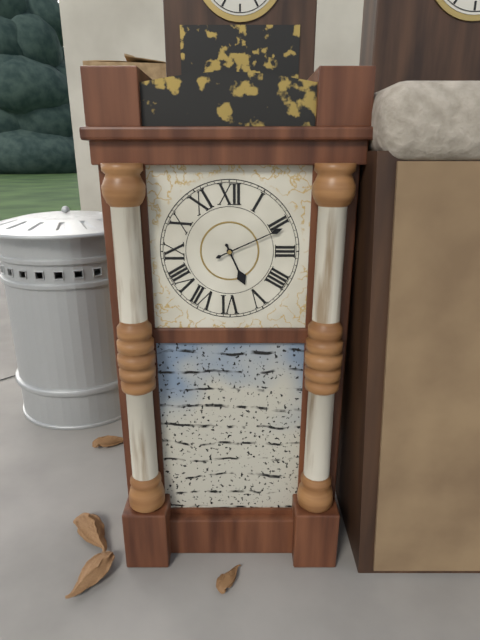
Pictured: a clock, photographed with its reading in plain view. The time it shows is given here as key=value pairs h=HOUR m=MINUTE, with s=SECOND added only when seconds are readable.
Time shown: h=5 m=11
